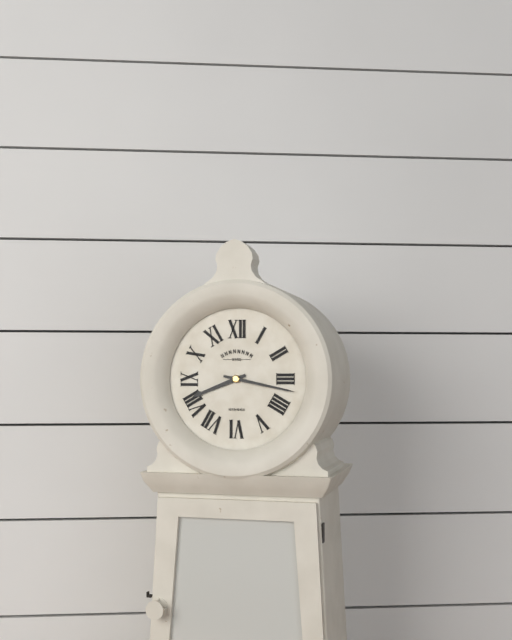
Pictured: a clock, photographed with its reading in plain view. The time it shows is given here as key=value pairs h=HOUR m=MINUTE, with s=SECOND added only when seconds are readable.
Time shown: h=8 m=17
